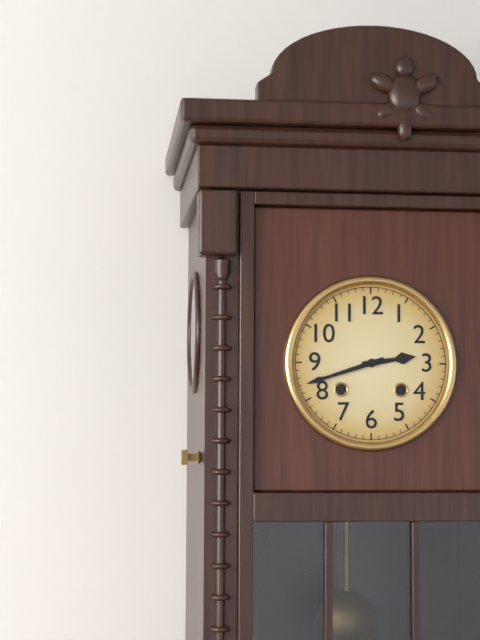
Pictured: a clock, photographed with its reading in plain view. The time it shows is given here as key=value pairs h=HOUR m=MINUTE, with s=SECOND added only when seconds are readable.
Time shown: h=2 m=42
